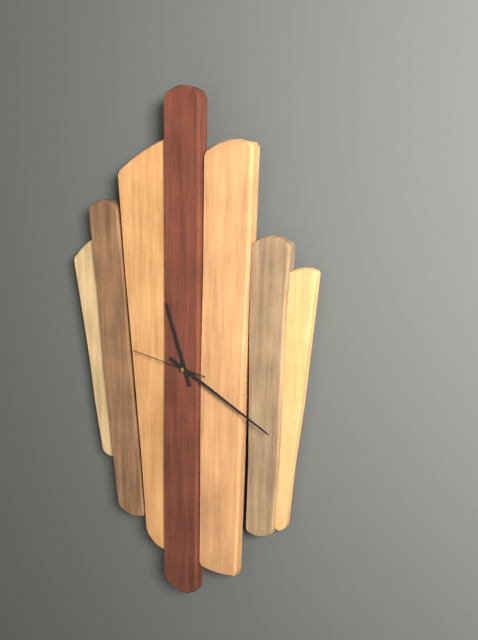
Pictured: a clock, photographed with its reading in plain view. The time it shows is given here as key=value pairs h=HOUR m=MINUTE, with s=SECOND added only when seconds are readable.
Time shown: h=11 m=19 s=46
